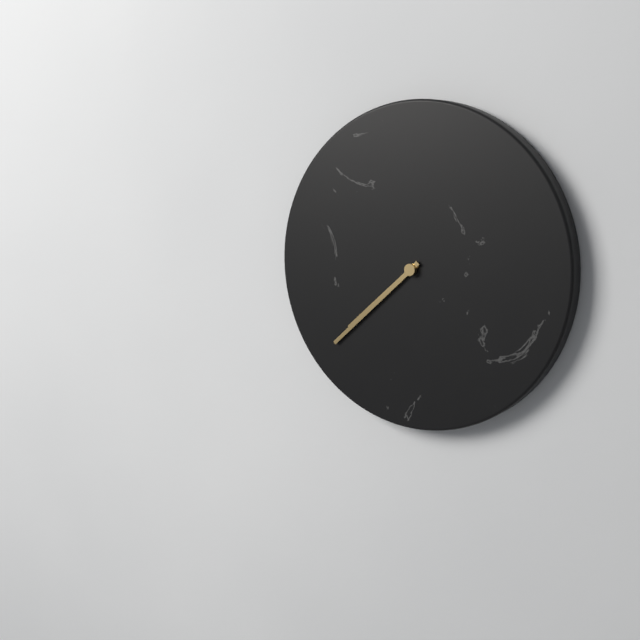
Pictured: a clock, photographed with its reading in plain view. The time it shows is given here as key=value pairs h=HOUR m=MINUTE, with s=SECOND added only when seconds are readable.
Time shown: h=7 m=38
